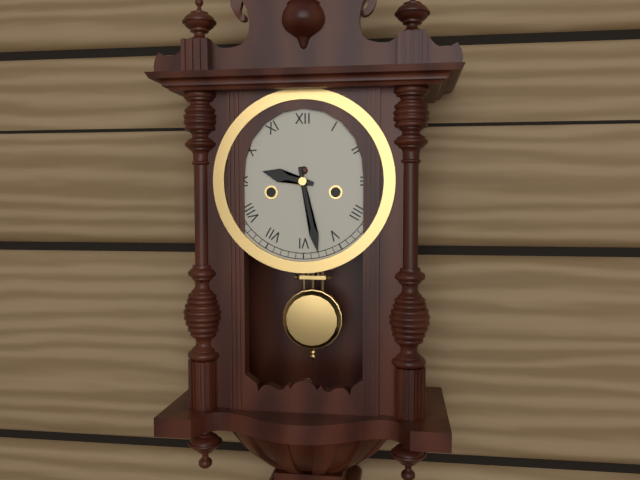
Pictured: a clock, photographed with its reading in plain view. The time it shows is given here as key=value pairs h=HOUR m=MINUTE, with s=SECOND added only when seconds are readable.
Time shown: h=9 m=28
